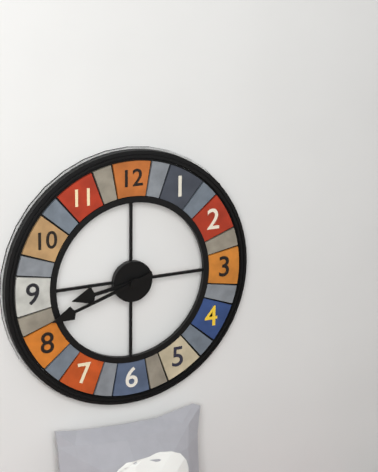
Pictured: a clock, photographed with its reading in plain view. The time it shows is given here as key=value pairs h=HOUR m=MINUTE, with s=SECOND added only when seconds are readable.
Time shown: h=8 m=42
